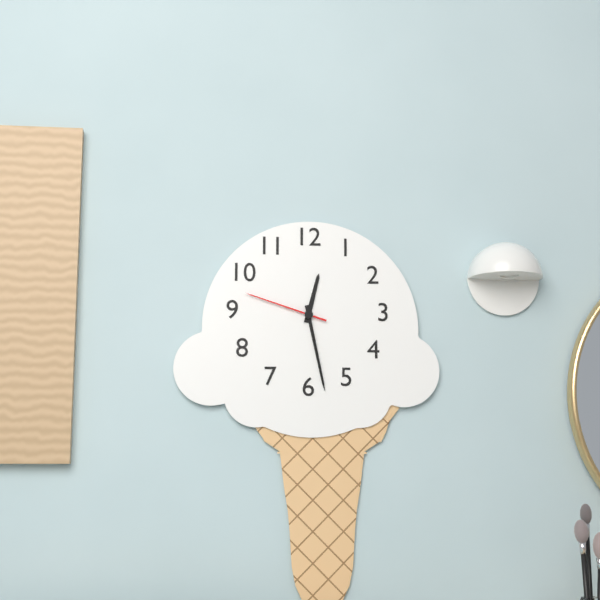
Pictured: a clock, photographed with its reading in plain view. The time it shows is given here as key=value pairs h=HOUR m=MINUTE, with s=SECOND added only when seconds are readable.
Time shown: h=12 m=28 s=48
